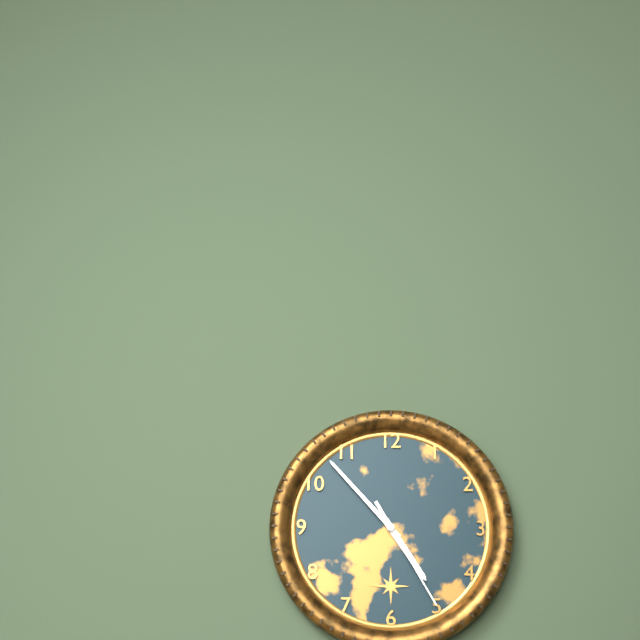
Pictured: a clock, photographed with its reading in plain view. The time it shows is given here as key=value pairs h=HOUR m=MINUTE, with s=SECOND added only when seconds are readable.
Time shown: h=4 m=53 s=25
